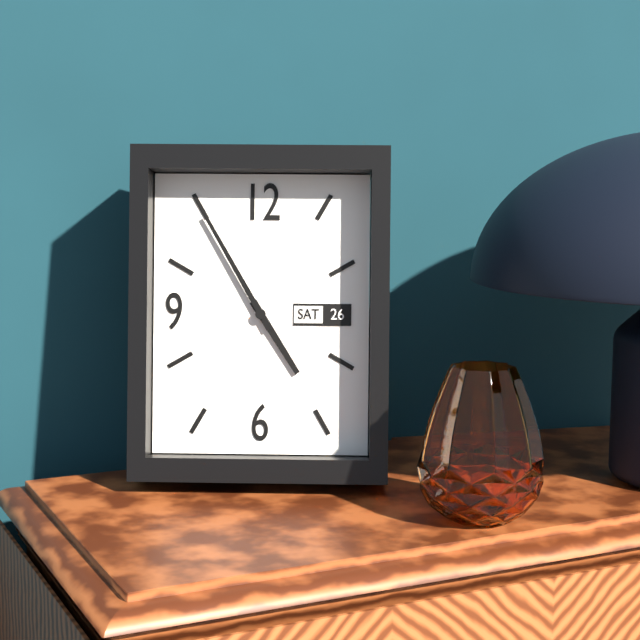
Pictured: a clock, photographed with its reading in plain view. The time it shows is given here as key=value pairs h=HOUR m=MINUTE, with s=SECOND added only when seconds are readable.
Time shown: h=4 m=55
